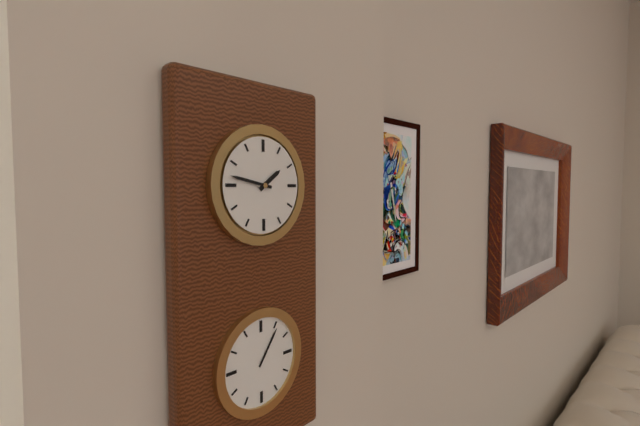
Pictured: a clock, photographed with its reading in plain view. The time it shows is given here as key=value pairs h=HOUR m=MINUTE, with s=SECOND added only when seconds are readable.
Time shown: h=1 m=47
